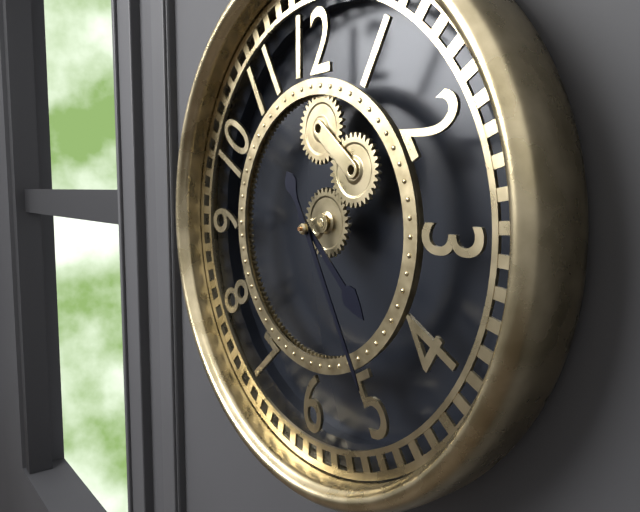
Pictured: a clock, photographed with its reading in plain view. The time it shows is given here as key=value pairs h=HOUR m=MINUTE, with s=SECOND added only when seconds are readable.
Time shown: h=4 m=25
